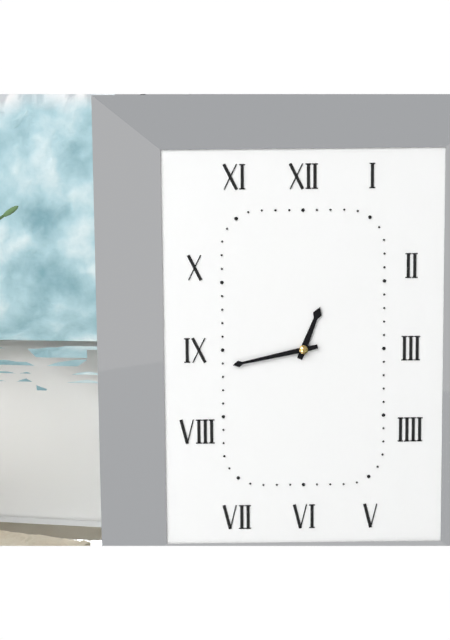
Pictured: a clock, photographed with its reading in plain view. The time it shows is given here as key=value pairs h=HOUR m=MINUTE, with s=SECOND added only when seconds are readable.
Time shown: h=12 m=43
